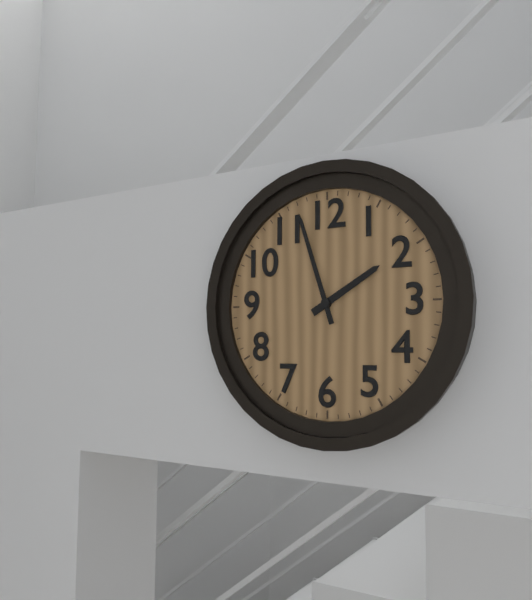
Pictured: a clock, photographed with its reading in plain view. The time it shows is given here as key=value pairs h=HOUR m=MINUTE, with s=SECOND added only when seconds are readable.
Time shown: h=1 m=57
